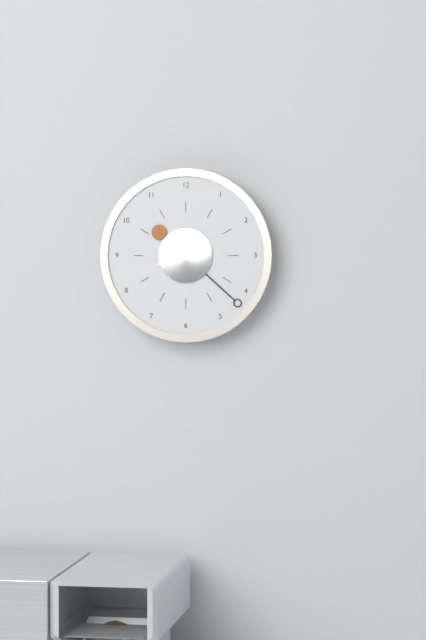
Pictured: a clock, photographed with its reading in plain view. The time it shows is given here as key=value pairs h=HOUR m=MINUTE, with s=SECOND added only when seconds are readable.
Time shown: h=10 m=22
